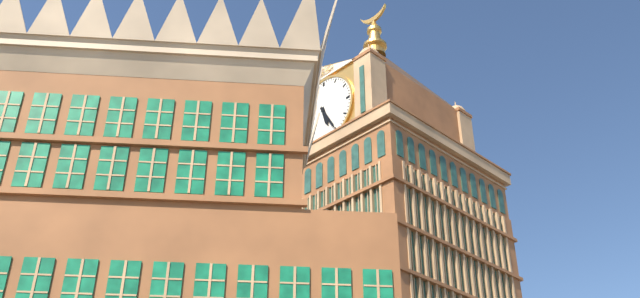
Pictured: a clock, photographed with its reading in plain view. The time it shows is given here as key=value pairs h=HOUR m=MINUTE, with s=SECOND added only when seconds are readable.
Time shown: h=5 m=25
